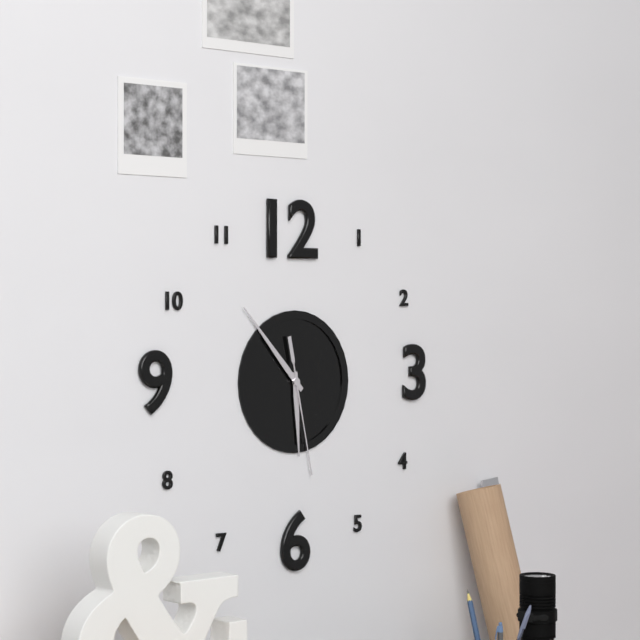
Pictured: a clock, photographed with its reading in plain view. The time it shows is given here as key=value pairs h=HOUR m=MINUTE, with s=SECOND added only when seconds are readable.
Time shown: h=5 m=53 s=28
